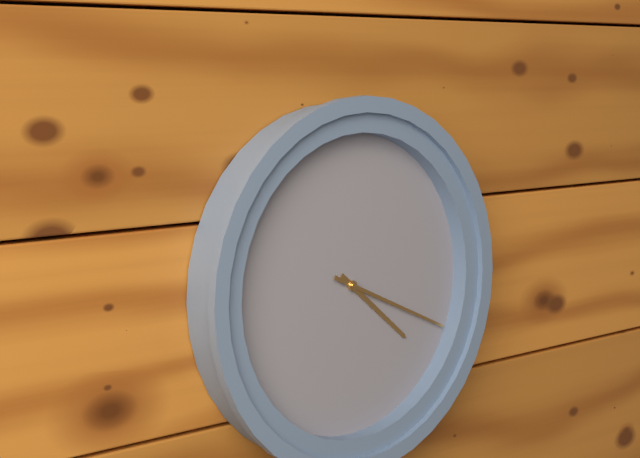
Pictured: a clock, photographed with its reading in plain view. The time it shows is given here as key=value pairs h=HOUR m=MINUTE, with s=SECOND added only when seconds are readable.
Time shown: h=4 m=19
